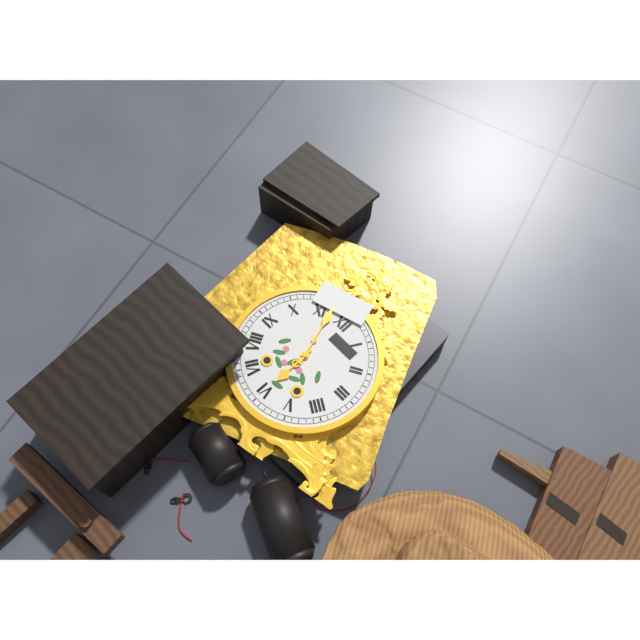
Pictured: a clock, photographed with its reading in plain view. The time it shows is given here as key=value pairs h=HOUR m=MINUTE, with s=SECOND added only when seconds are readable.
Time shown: h=5 m=57
